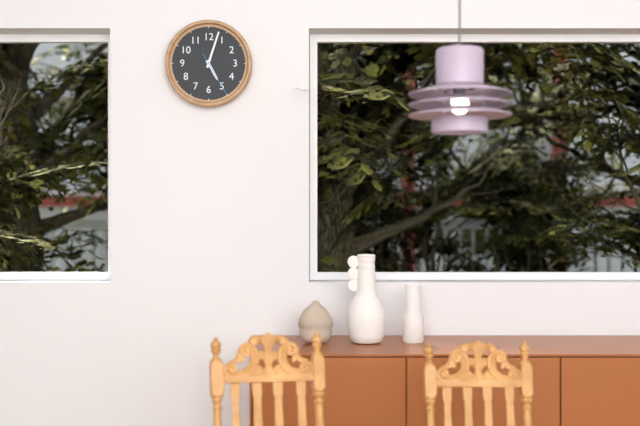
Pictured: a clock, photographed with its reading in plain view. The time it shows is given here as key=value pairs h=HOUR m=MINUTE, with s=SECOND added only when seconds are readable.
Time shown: h=5 m=3
